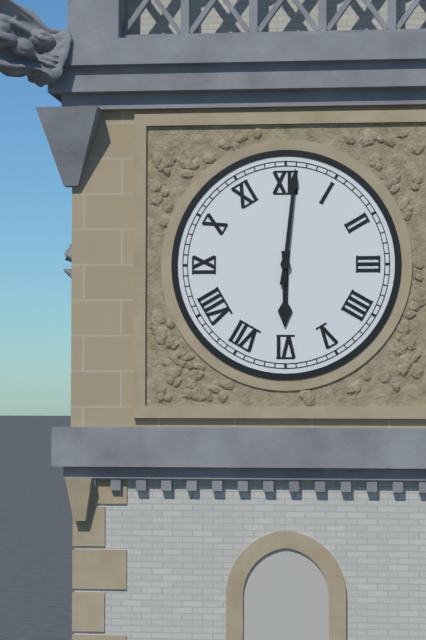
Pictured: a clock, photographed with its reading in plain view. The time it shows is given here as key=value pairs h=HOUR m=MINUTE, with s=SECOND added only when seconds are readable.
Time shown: h=6 m=1
